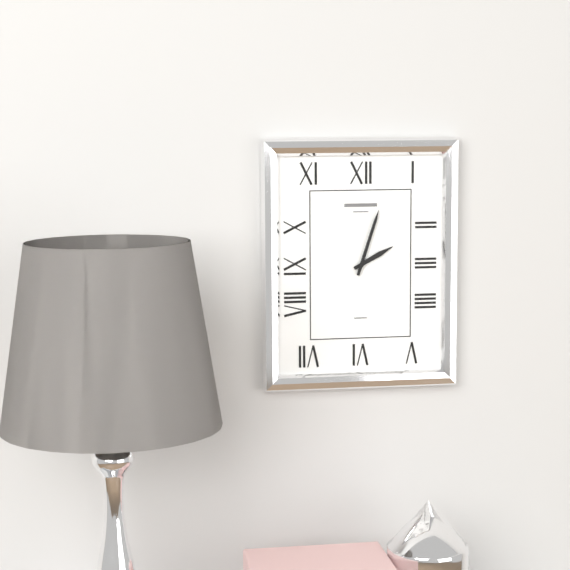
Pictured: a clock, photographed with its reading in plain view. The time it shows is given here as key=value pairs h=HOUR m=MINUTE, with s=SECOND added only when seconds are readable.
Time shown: h=2 m=3
